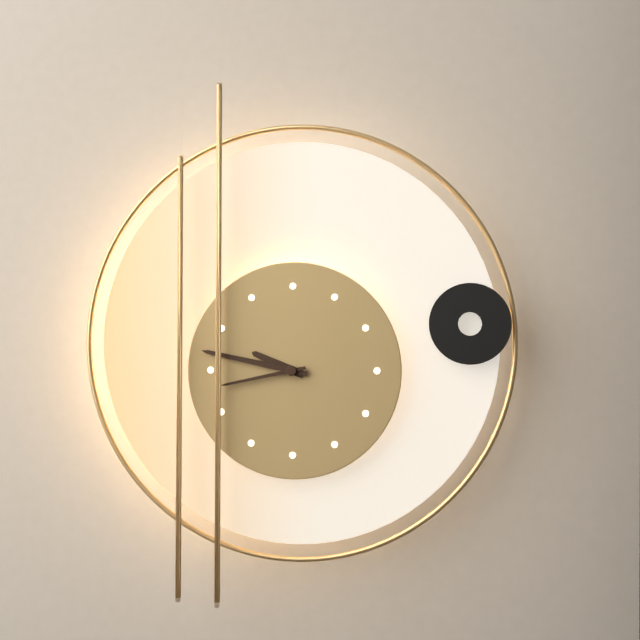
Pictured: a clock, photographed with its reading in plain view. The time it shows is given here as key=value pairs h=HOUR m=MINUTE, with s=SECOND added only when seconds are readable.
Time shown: h=9 m=47 s=43
